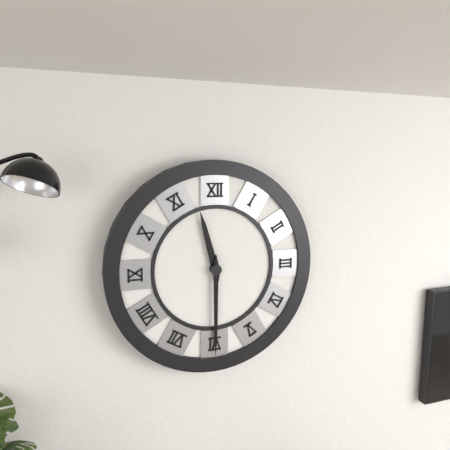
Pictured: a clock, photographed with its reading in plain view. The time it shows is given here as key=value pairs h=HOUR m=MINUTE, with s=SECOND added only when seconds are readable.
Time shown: h=11 m=30
